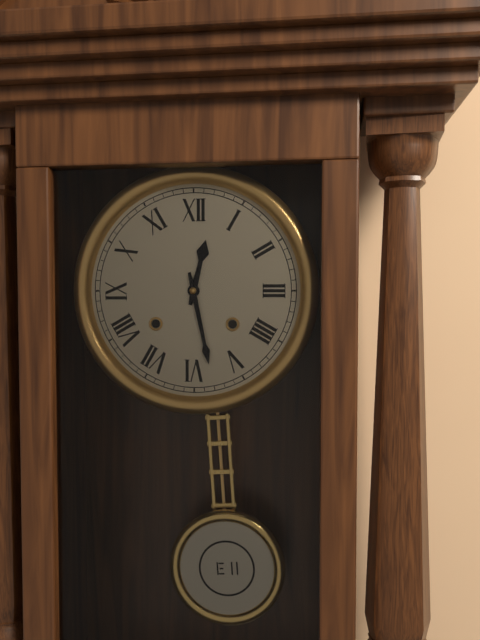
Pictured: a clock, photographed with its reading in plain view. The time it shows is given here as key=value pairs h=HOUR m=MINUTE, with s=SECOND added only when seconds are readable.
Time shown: h=12 m=28
